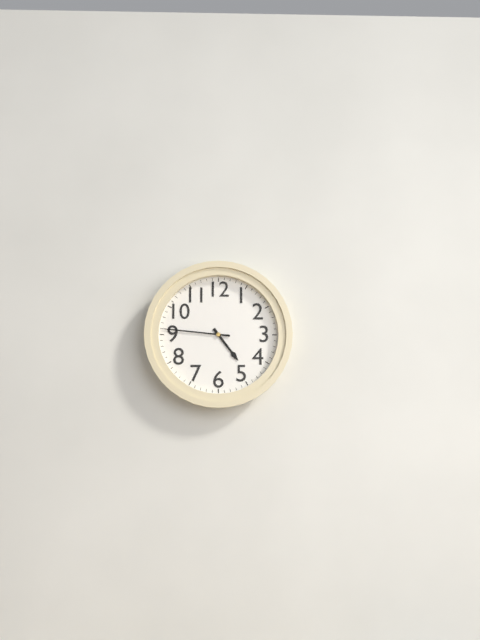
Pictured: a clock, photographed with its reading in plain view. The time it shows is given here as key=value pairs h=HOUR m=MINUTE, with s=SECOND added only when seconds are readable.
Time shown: h=4 m=46
